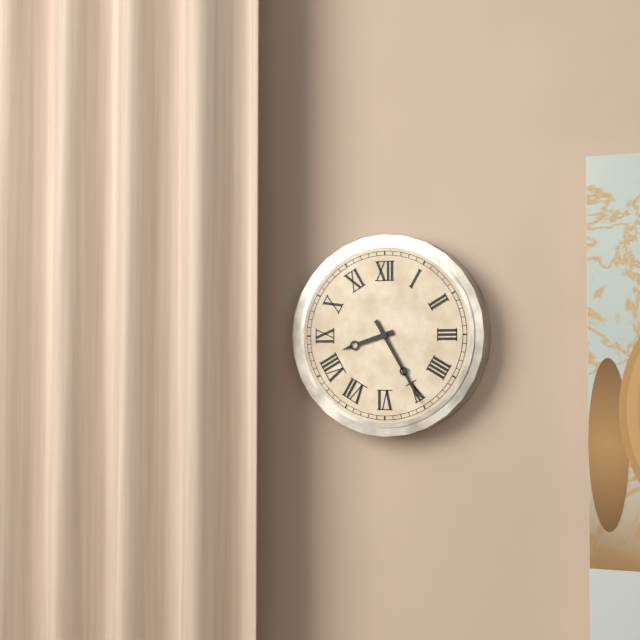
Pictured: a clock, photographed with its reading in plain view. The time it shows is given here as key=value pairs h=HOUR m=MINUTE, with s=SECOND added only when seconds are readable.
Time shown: h=8 m=25
